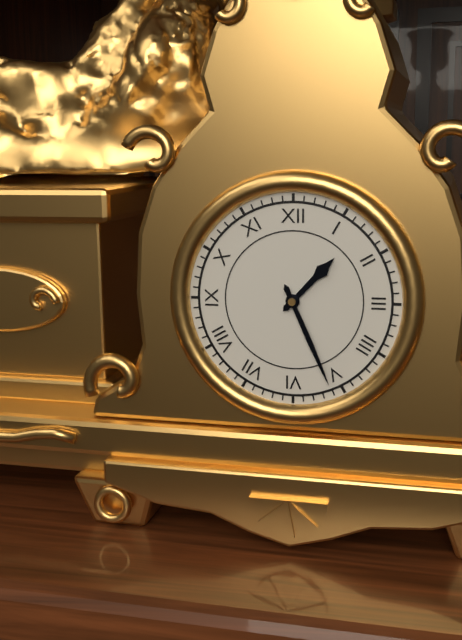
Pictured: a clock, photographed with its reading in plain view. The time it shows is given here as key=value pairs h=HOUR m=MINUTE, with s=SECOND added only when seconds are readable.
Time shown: h=1 m=26
